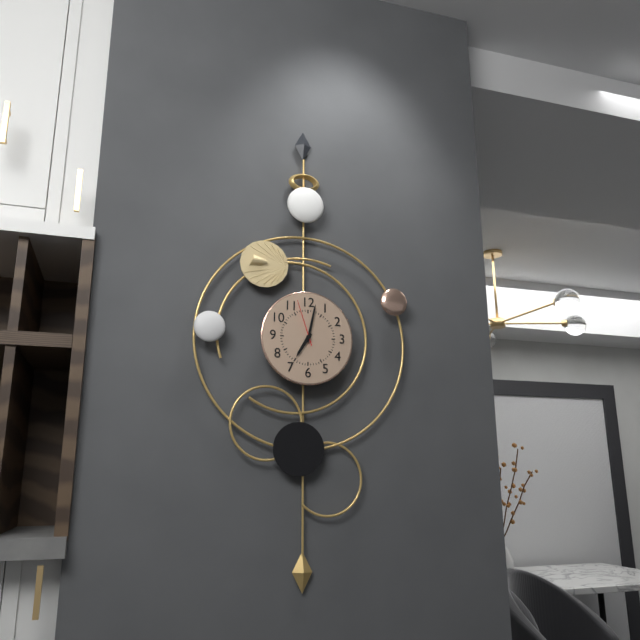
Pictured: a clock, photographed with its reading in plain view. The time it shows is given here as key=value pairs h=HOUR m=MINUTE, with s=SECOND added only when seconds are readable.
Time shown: h=7 m=2
